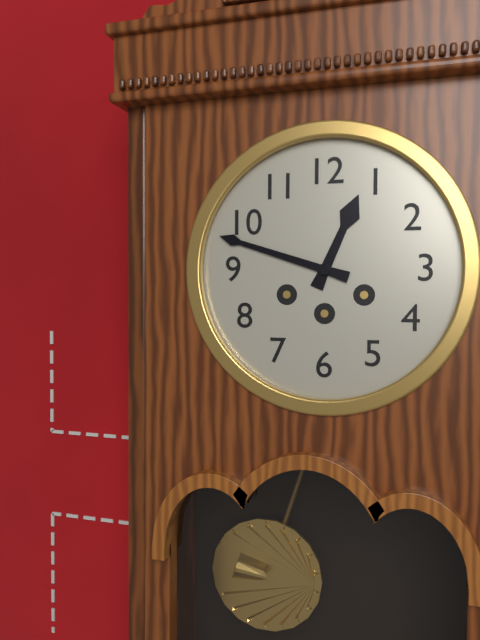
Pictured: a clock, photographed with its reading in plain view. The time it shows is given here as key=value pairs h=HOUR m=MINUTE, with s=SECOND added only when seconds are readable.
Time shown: h=12 m=48
